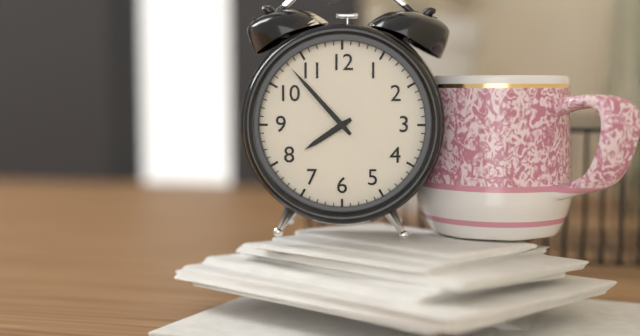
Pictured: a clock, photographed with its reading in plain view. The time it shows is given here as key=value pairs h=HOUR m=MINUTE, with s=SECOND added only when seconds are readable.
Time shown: h=7 m=53
